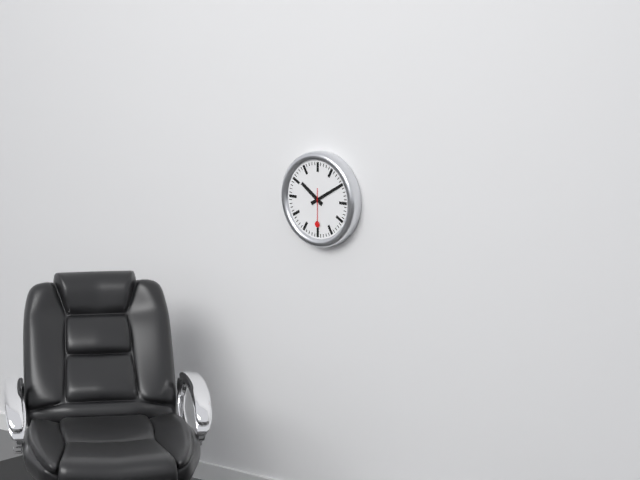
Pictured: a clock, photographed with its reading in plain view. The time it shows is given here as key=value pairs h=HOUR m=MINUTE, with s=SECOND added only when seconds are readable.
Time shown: h=10 m=10
